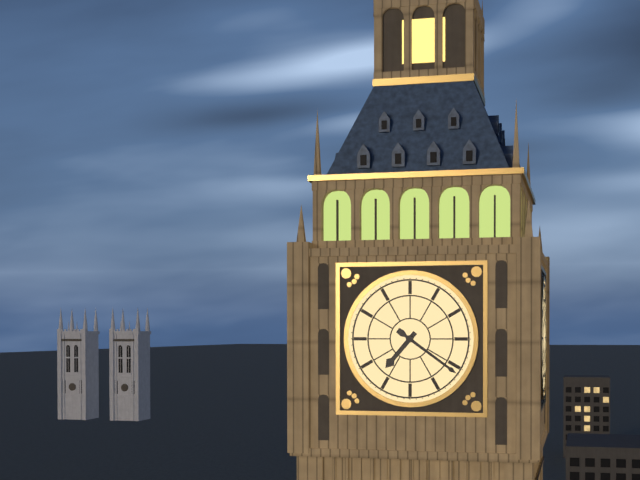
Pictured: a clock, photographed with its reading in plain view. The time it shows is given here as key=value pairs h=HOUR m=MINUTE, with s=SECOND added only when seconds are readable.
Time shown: h=7 m=21
